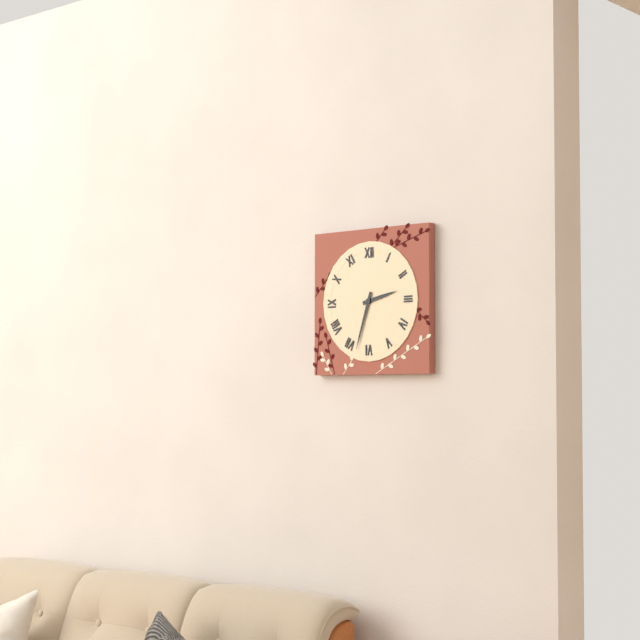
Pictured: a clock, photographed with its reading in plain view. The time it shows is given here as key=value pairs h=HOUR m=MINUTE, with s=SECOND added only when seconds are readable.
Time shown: h=2 m=33
